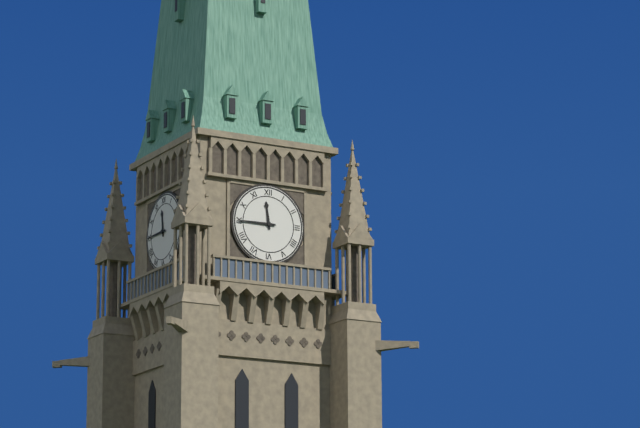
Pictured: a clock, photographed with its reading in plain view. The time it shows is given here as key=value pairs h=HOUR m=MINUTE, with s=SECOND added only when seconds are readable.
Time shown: h=11 m=45
